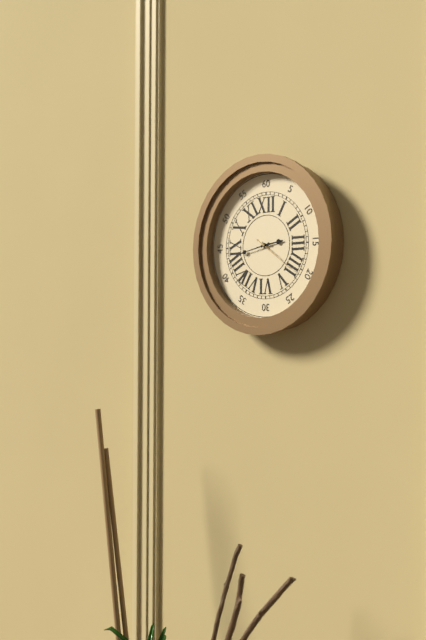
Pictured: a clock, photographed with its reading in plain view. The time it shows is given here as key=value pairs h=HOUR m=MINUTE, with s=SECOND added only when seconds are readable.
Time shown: h=2 m=43
